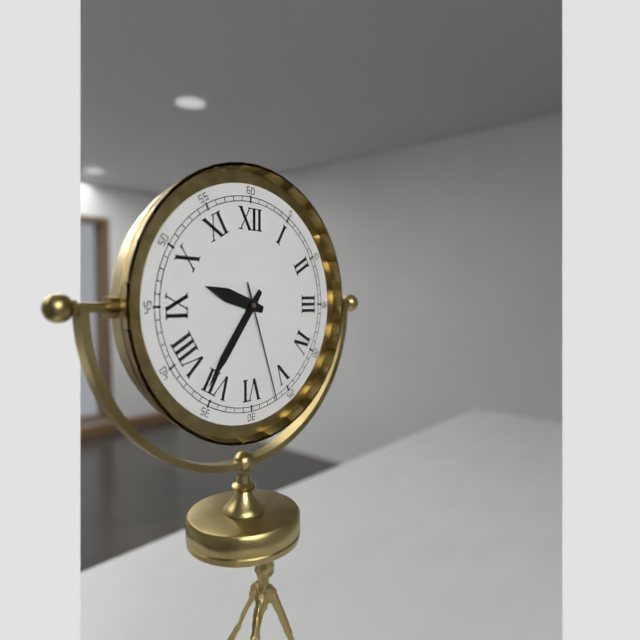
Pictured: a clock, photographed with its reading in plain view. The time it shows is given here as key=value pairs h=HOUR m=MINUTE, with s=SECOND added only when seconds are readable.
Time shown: h=9 m=36 s=27
